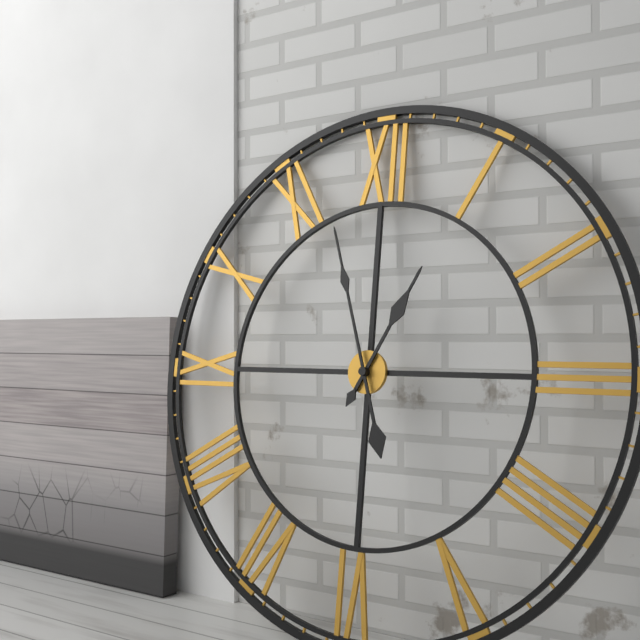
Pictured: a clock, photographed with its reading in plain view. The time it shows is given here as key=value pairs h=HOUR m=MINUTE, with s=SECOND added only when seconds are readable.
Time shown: h=12 m=57
